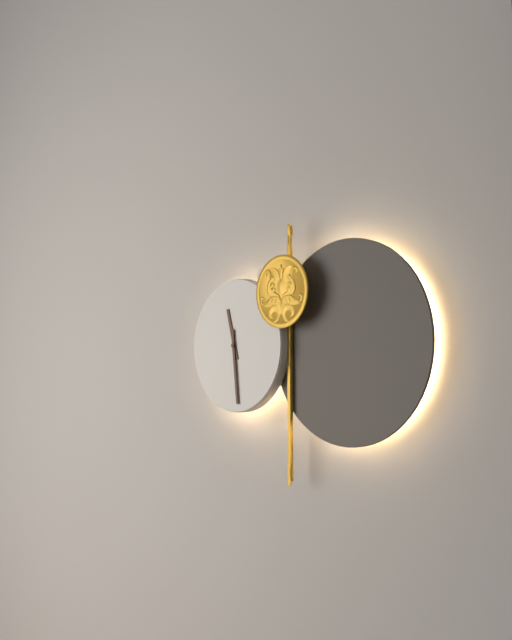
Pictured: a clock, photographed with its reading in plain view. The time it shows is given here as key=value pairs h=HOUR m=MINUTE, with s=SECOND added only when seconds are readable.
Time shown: h=11 m=29
